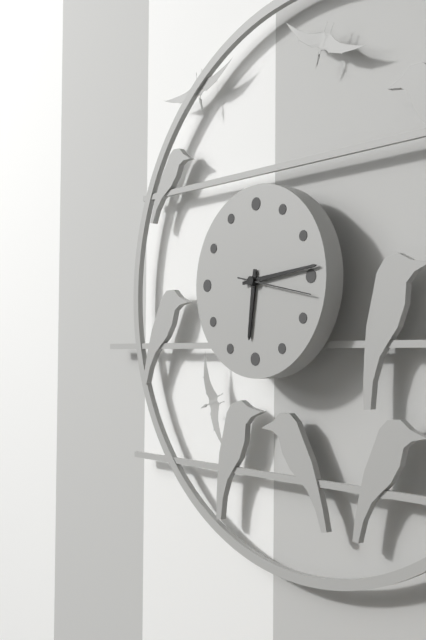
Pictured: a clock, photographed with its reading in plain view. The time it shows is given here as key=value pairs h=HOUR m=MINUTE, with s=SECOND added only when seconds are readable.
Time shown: h=6 m=14
